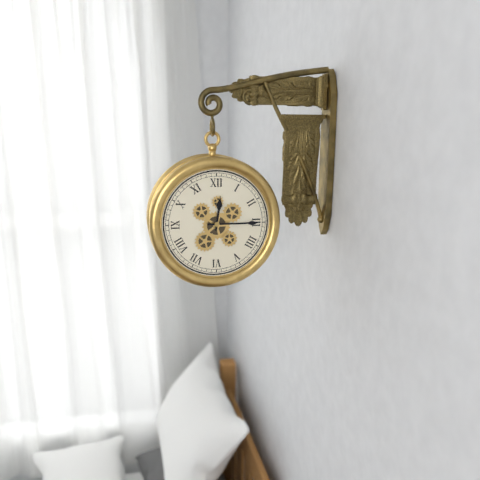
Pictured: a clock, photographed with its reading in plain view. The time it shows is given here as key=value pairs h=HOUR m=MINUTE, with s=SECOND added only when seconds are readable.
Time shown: h=12 m=15
